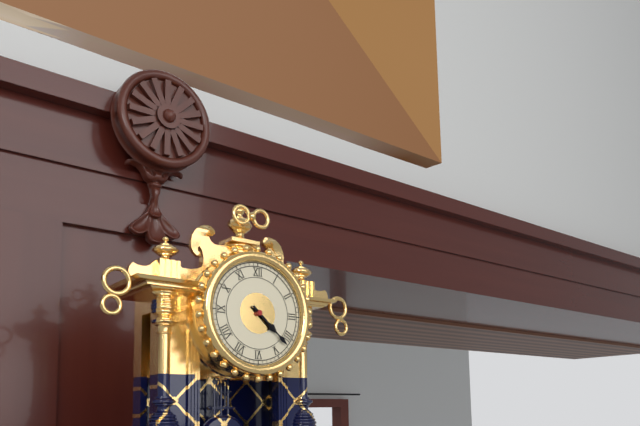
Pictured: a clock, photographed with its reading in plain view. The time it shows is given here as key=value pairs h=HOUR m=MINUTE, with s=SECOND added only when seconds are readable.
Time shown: h=4 m=22
